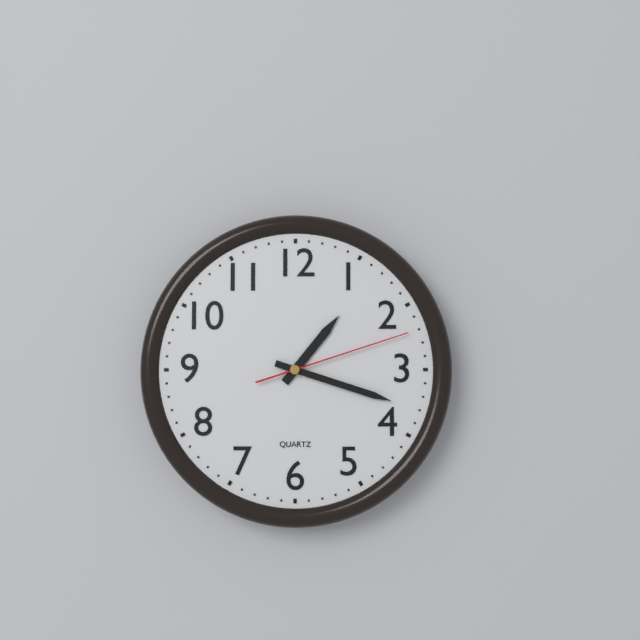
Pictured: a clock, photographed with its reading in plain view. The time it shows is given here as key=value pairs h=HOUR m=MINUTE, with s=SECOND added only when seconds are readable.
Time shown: h=1 m=18 s=12
